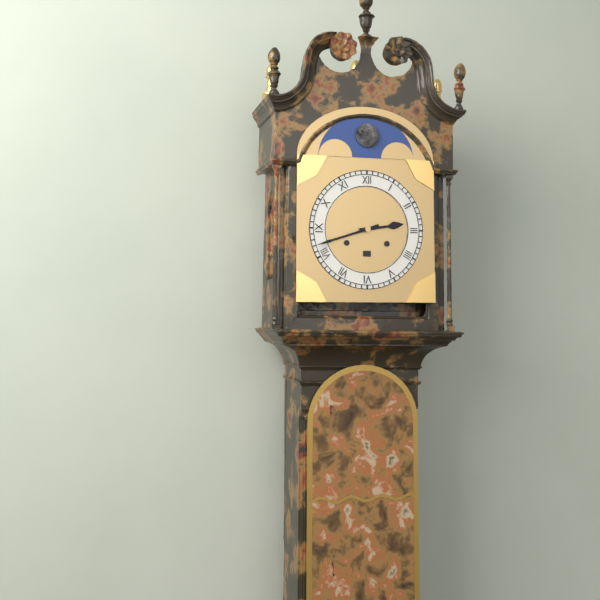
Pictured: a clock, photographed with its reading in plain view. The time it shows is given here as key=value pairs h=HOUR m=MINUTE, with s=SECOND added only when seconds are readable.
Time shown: h=2 m=42
